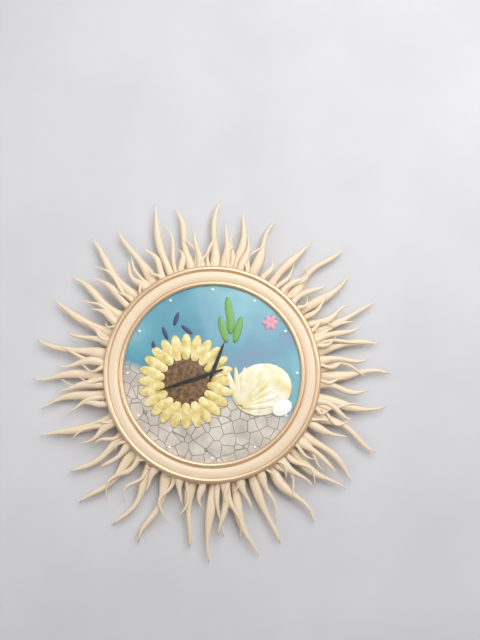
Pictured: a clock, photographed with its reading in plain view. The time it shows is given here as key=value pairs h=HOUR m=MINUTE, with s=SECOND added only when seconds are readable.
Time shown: h=12 m=42
